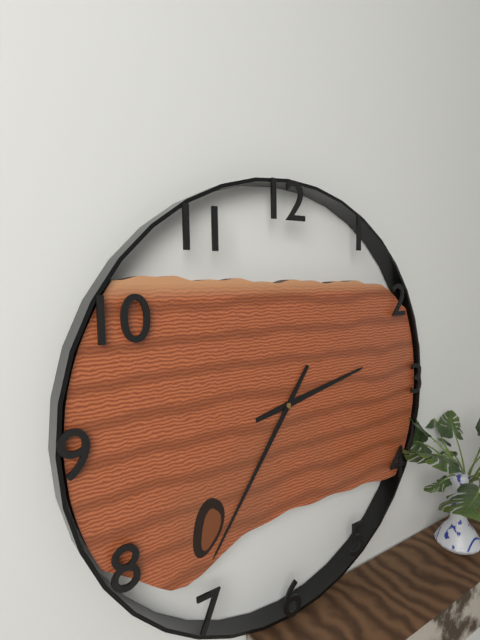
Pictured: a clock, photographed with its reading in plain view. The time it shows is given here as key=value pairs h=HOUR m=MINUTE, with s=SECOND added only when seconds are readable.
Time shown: h=2 m=36
